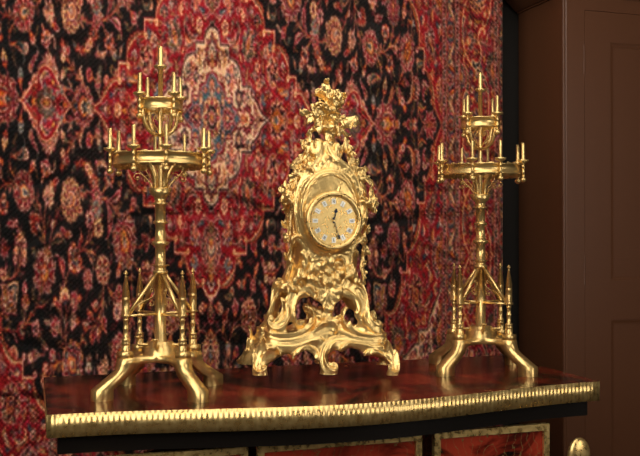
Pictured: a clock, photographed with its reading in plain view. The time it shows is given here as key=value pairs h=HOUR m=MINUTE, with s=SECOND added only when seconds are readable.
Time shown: h=12 m=27
